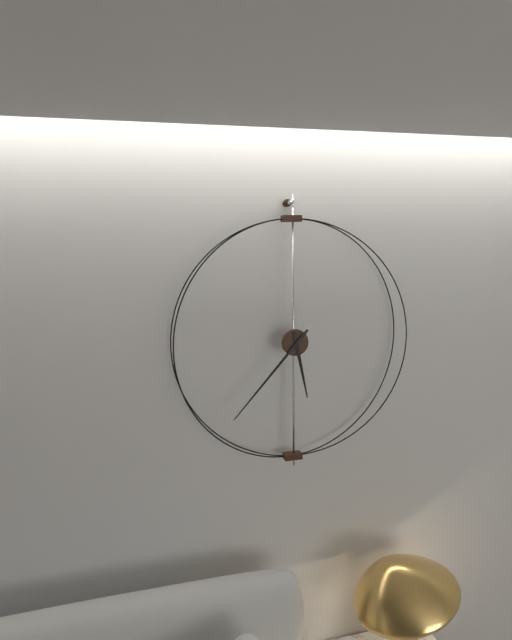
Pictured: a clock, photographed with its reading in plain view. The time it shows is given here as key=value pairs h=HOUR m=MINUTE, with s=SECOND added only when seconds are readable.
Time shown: h=5 m=37
